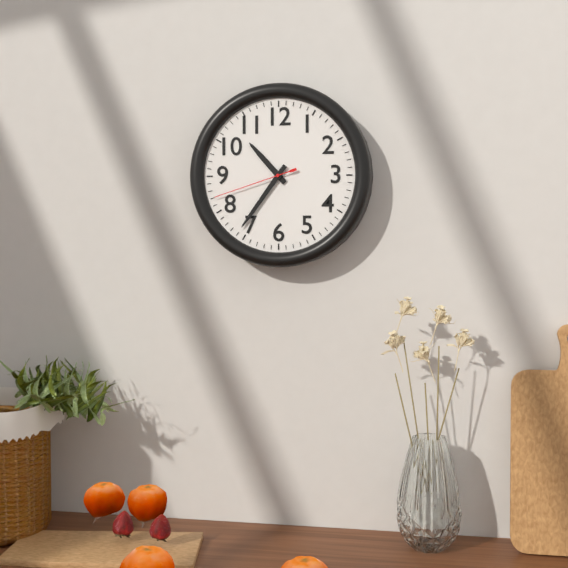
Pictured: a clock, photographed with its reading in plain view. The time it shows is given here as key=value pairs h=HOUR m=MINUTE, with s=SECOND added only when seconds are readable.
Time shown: h=10 m=36 s=42
